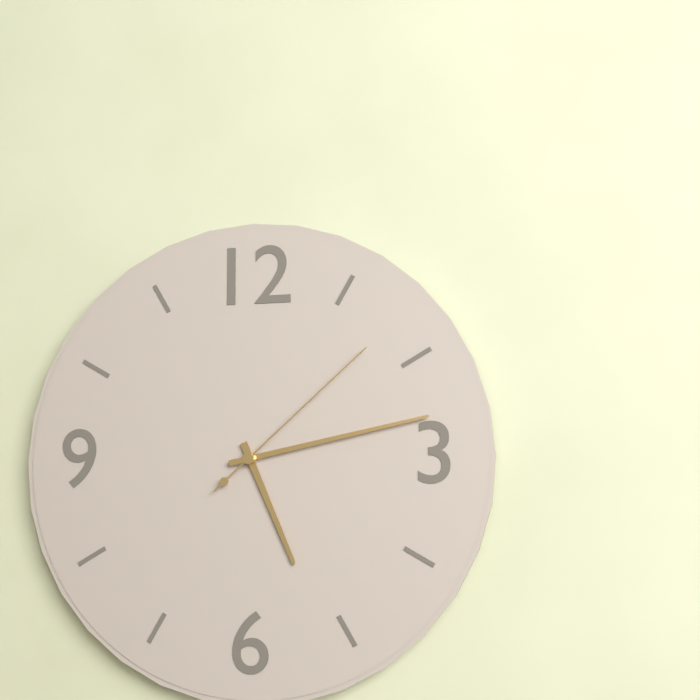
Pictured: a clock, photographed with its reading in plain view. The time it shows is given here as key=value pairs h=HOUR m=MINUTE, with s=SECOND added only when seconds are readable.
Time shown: h=5 m=13 s=8
